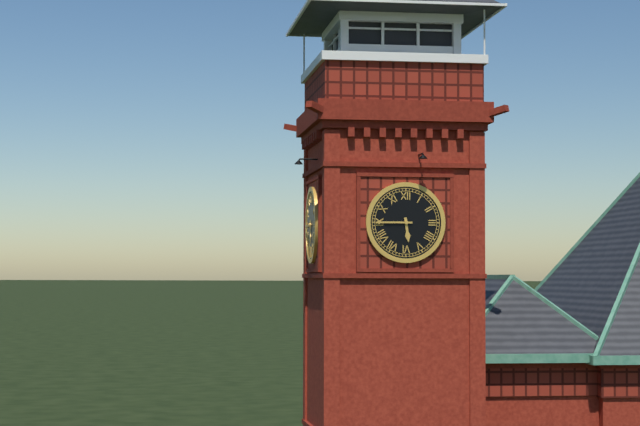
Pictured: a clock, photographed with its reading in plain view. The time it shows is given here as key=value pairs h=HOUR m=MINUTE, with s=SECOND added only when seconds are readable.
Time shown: h=5 m=45
